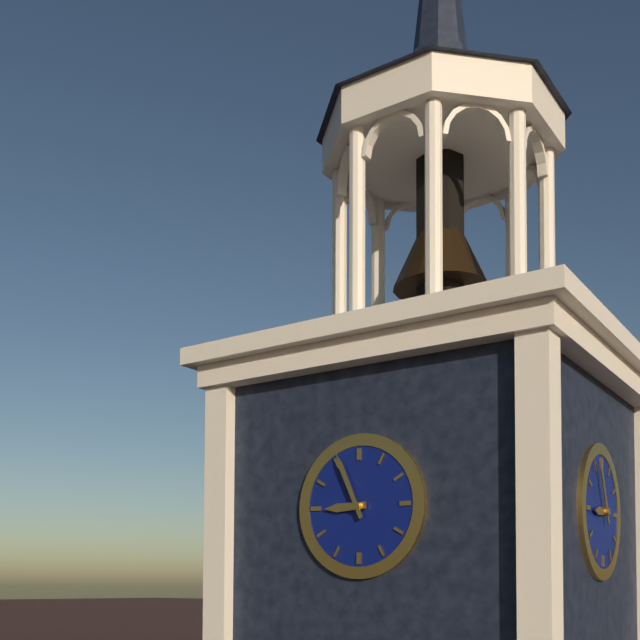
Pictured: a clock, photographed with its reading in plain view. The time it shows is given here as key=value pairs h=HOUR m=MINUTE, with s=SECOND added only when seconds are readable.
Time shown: h=8 m=56
